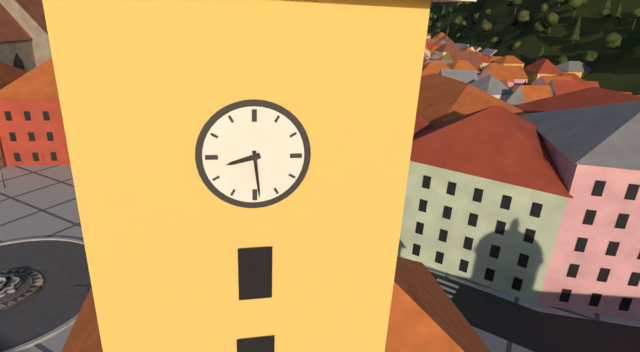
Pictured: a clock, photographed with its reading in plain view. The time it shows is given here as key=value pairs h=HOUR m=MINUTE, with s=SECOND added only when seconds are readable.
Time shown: h=8 m=29
